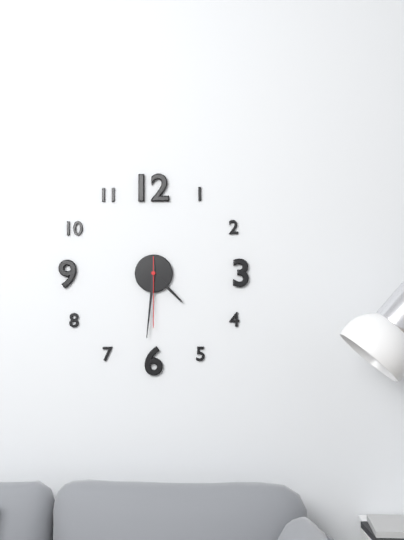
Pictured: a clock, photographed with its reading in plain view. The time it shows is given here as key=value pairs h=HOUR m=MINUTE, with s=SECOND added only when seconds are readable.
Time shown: h=4 m=31 s=30
